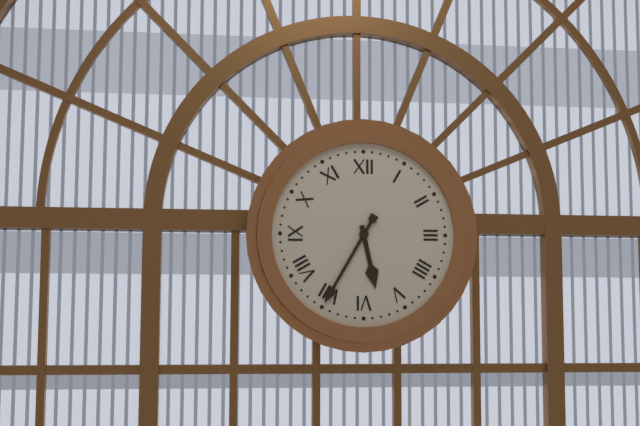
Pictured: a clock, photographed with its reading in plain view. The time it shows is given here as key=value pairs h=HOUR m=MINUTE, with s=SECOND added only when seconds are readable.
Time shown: h=5 m=35
